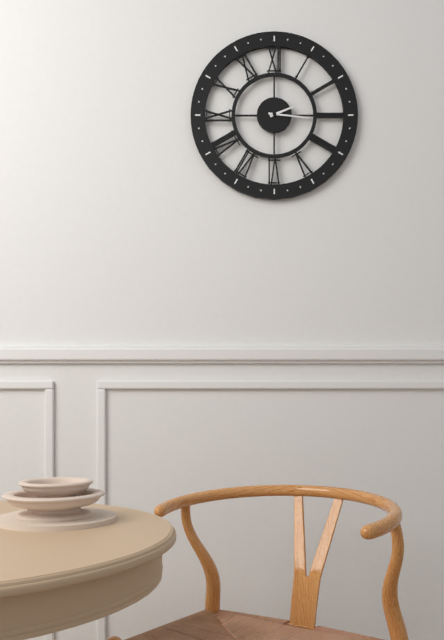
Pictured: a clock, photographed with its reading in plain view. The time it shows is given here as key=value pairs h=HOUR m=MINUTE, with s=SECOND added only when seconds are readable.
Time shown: h=2 m=16
